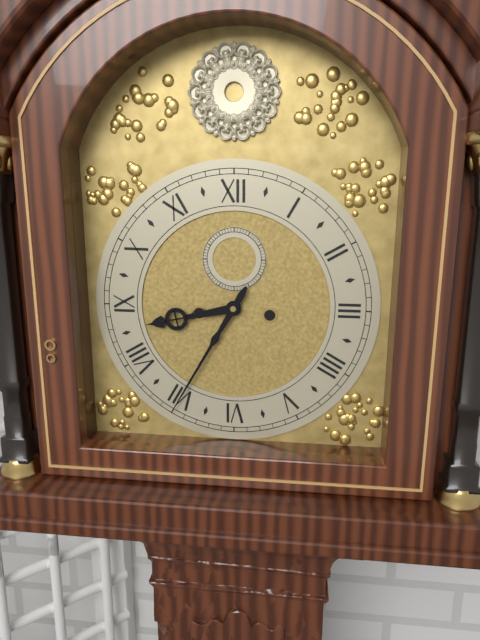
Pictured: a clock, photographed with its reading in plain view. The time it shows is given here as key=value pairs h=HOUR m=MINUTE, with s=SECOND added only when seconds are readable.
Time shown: h=8 m=35
